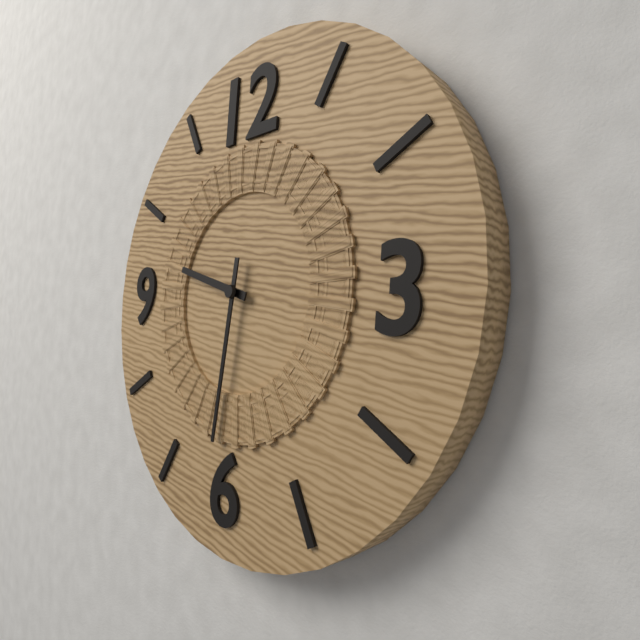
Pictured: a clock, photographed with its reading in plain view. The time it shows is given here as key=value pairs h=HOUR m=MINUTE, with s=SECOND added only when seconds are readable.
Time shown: h=9 m=31
